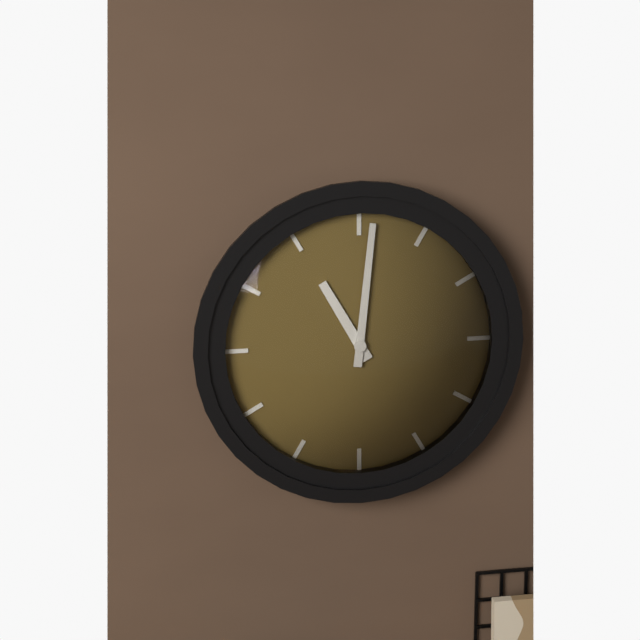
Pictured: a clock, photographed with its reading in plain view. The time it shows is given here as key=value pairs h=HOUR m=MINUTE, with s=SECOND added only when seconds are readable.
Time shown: h=11 m=1
